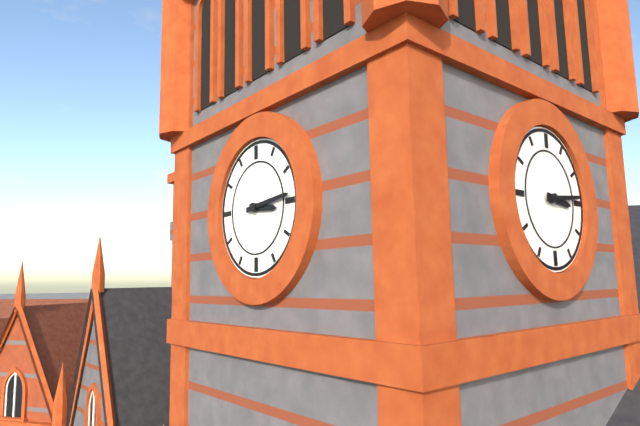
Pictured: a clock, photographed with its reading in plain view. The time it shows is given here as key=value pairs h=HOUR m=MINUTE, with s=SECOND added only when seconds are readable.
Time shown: h=3 m=14
